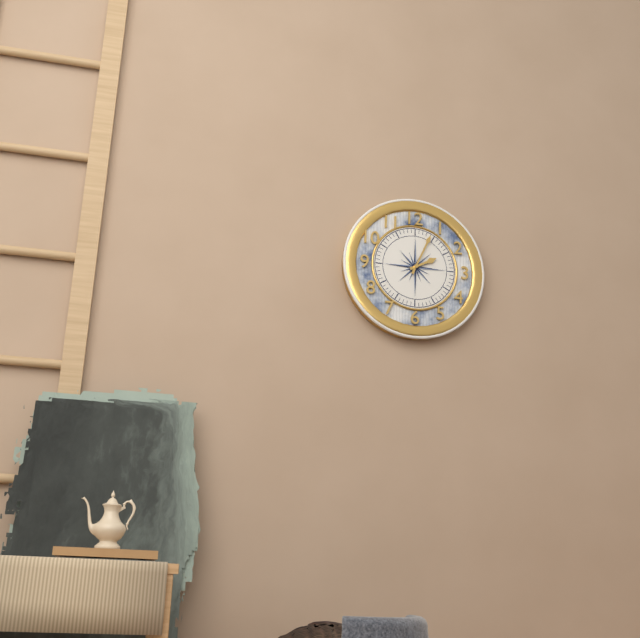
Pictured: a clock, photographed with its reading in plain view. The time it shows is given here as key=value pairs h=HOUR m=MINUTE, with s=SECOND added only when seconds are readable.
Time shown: h=2 m=4
